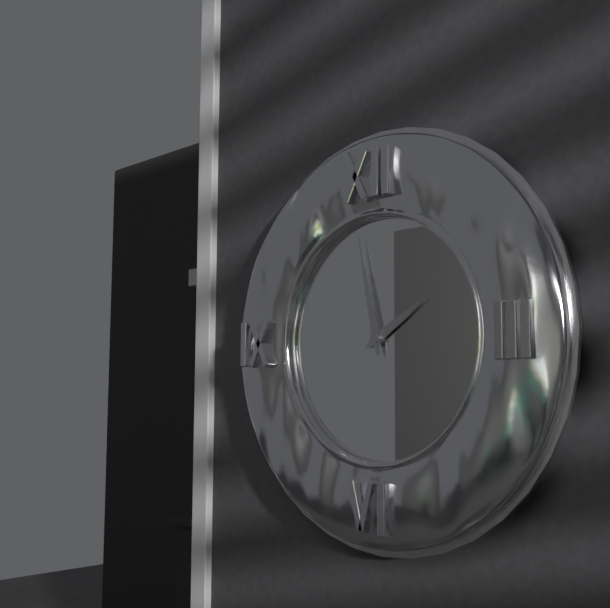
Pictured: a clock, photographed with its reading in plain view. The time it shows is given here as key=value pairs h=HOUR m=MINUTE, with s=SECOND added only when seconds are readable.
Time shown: h=1 m=58
